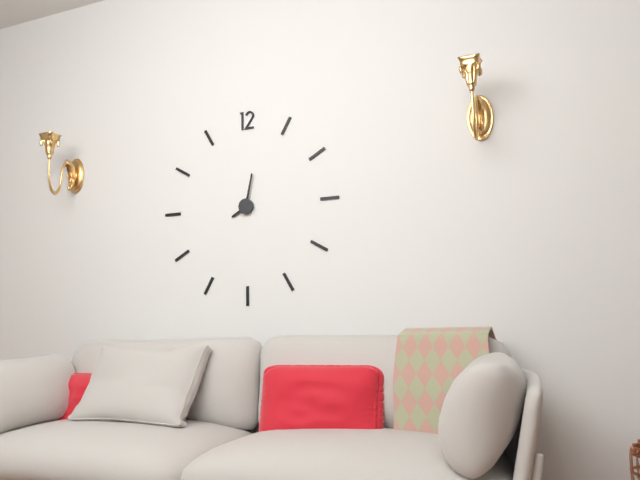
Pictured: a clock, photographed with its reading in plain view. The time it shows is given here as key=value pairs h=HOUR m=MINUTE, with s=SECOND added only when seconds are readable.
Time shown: h=8 m=2
